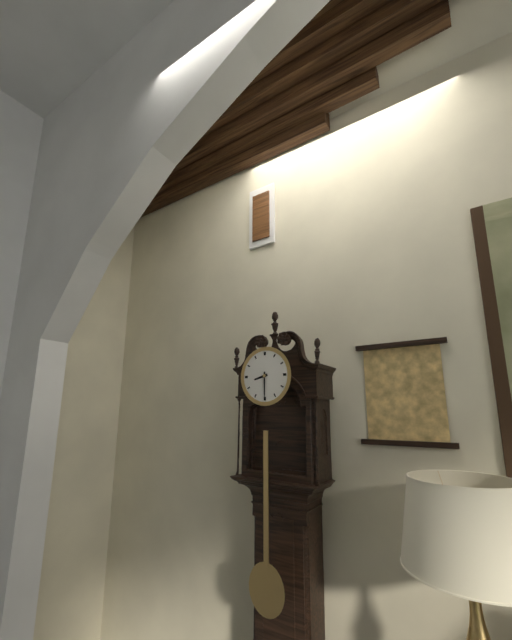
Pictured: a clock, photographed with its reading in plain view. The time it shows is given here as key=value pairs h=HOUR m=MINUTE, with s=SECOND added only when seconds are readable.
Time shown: h=8 m=30
